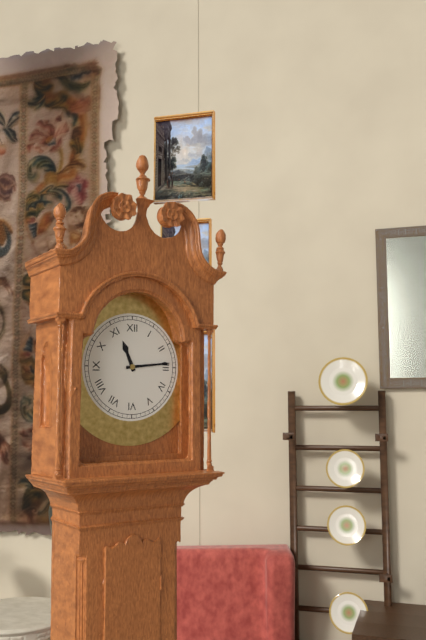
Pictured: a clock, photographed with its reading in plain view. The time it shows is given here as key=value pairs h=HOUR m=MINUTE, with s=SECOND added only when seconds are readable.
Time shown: h=11 m=14
